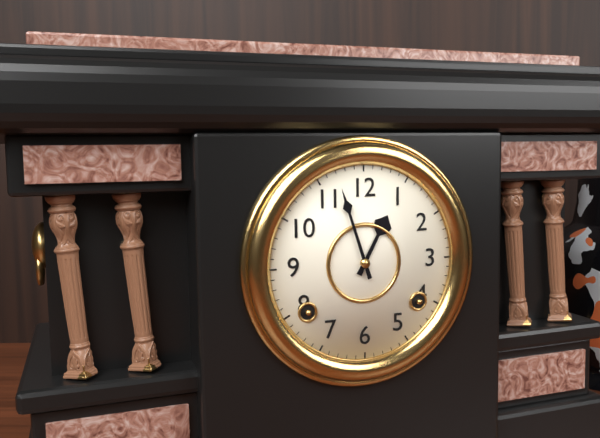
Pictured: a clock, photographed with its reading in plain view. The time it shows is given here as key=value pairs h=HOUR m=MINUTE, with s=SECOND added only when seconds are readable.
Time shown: h=12 m=57
